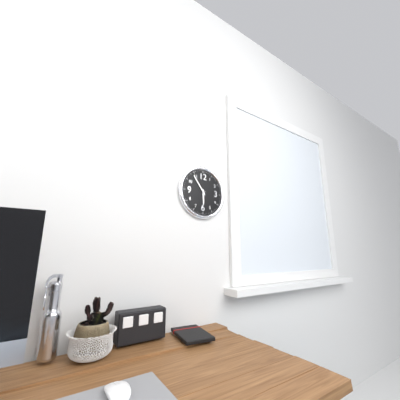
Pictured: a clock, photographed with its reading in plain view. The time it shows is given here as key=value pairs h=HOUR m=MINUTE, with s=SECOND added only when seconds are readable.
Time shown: h=5 m=54
